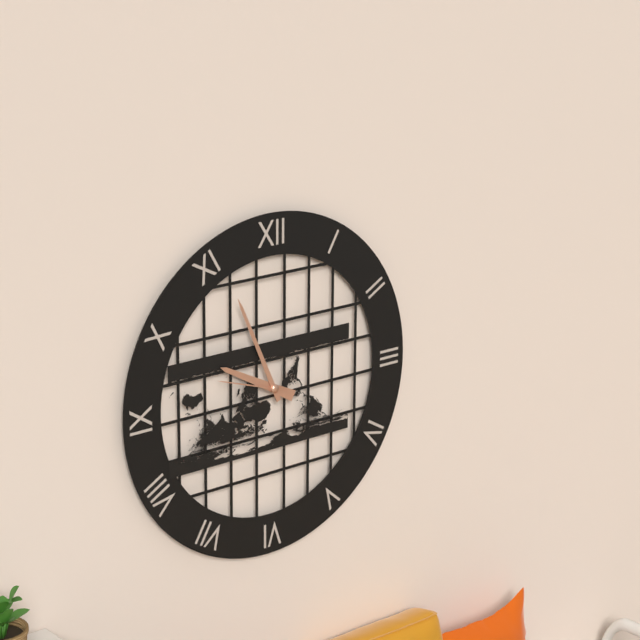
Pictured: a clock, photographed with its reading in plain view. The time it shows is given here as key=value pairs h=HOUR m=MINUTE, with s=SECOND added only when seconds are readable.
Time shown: h=9 m=56 s=48
